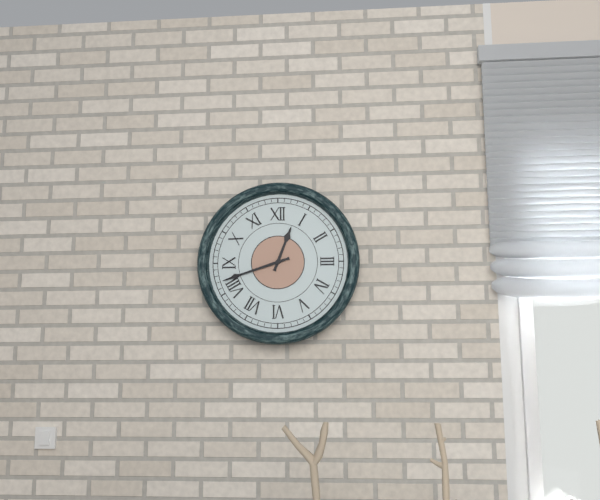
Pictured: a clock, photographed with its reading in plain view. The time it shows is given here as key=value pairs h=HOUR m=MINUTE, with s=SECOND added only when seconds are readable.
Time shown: h=12 m=42
